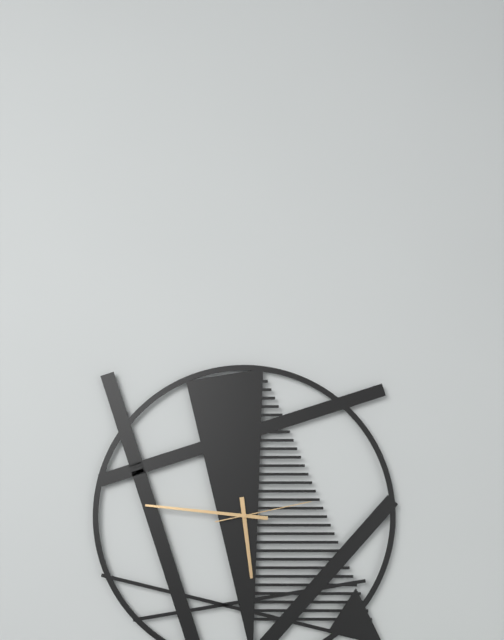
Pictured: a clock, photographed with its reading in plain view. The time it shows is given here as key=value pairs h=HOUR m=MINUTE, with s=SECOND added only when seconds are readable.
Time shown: h=5 m=46 s=13
